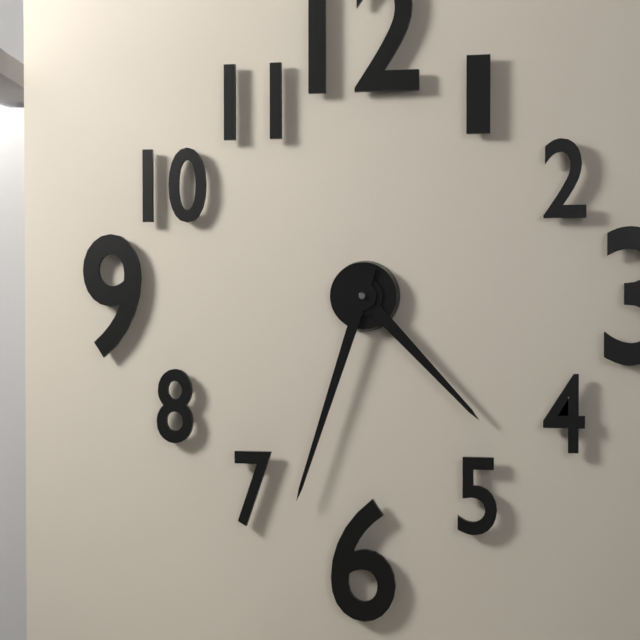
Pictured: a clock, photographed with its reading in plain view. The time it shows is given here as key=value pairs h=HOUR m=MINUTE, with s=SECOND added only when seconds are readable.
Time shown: h=4 m=33
